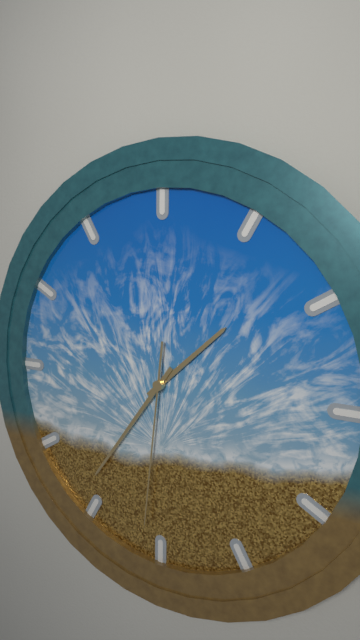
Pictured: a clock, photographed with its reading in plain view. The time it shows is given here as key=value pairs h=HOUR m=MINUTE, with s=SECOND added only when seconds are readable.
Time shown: h=1 m=36 s=31
